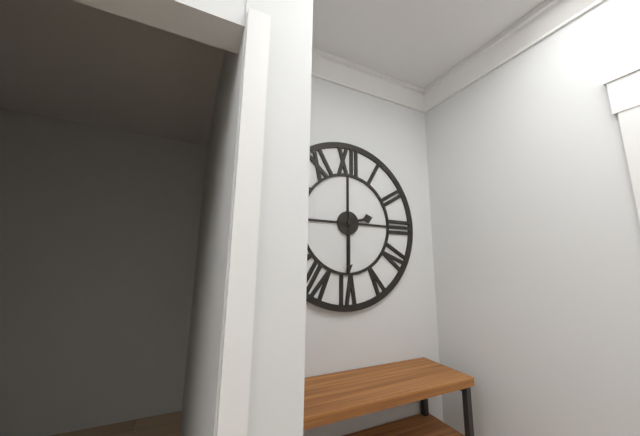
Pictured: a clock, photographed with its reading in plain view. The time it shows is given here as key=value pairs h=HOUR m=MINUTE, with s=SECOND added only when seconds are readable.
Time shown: h=2 m=30
